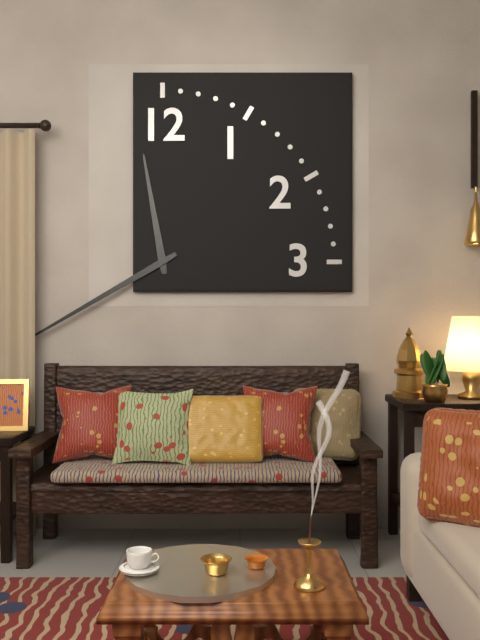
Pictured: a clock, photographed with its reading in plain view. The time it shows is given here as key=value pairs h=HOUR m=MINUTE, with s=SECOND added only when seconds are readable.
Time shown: h=11 m=40
